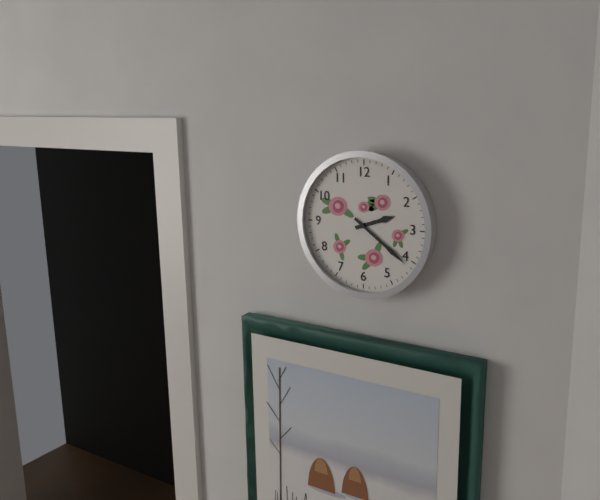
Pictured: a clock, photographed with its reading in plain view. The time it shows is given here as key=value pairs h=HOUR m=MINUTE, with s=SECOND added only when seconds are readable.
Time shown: h=2 m=21
